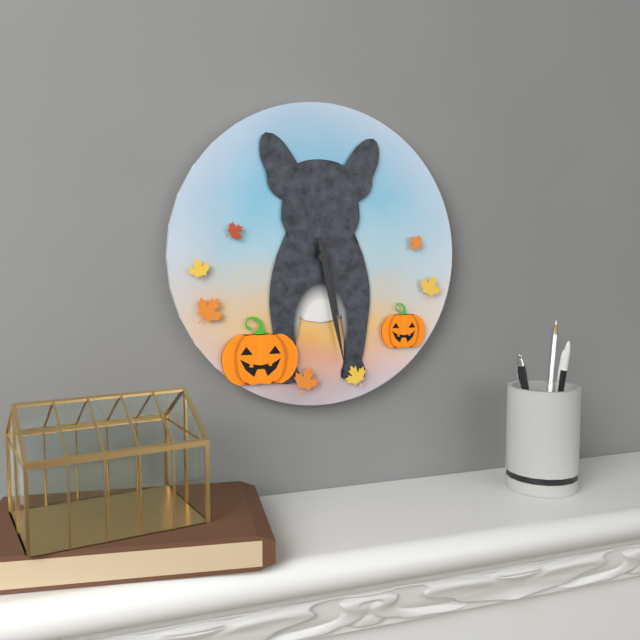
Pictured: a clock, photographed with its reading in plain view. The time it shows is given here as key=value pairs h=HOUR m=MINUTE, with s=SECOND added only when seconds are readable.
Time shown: h=5 m=28
